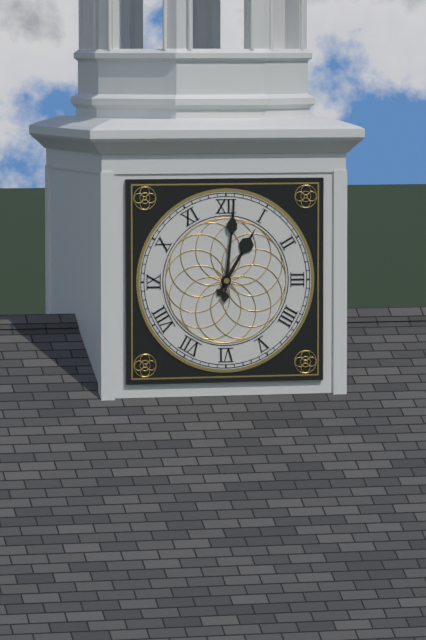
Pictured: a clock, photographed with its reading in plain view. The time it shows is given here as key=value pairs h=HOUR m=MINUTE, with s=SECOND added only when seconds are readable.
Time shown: h=1 m=1
